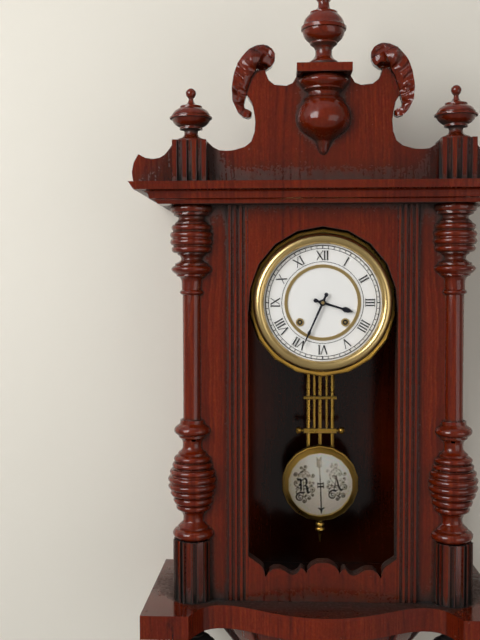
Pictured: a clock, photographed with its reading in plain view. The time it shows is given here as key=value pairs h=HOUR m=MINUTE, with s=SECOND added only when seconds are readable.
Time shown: h=3 m=34
